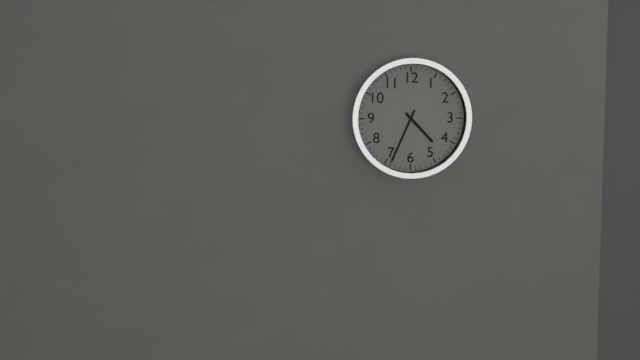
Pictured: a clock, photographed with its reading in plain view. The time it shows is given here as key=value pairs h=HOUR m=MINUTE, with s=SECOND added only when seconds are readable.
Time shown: h=4 m=34
